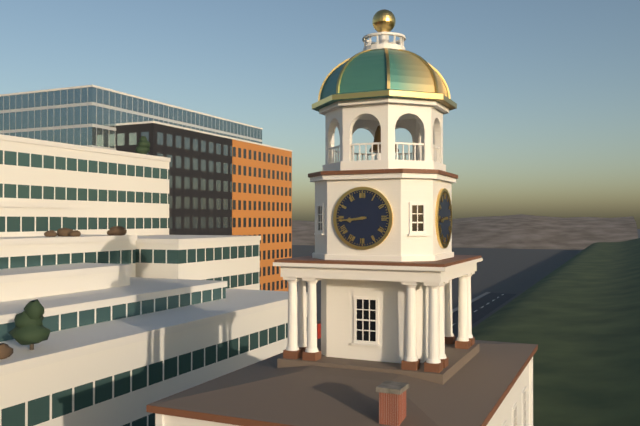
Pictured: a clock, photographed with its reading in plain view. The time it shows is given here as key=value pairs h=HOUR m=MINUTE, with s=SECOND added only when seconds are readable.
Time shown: h=8 m=44
